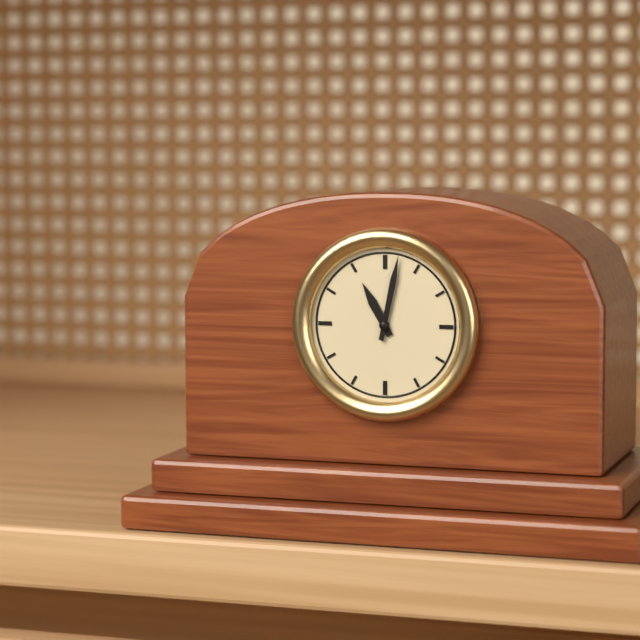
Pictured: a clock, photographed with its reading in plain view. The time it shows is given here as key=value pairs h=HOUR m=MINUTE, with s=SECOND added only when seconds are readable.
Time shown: h=11 m=2
